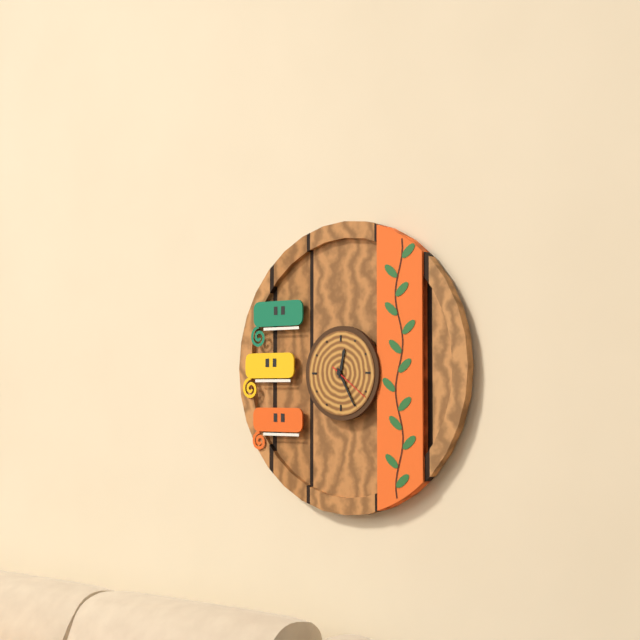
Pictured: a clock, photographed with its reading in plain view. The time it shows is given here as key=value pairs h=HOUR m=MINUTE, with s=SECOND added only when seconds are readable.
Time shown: h=12 m=25
